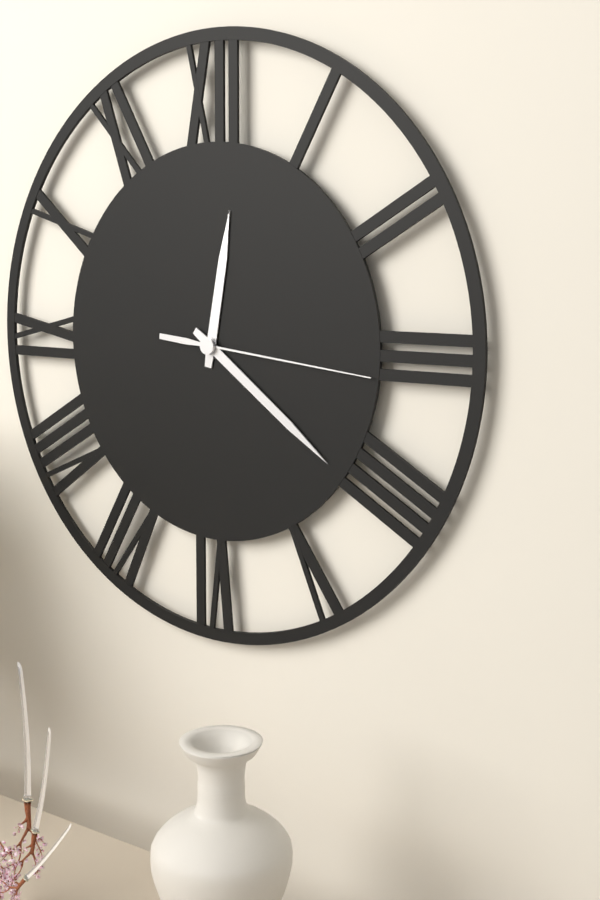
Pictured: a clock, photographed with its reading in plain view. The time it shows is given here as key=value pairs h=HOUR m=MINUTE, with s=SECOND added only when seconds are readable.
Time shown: h=12 m=21 s=16
